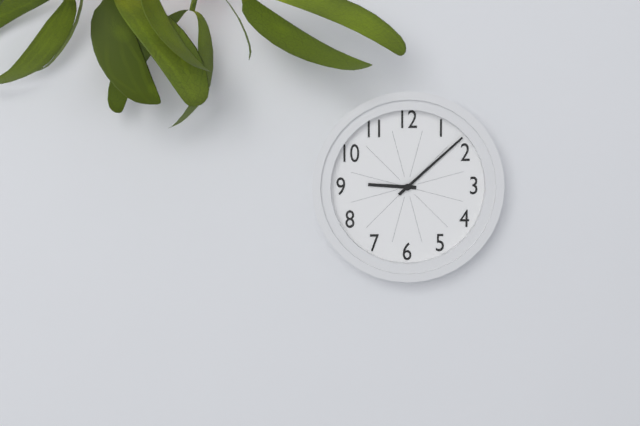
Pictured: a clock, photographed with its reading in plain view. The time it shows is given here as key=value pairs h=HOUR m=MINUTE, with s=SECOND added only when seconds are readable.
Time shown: h=9 m=8
